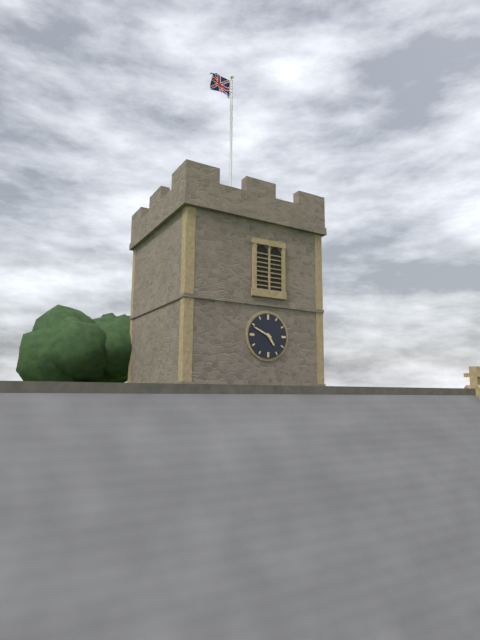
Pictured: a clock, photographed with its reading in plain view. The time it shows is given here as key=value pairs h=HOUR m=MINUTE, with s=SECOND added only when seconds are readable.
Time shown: h=4 m=49
